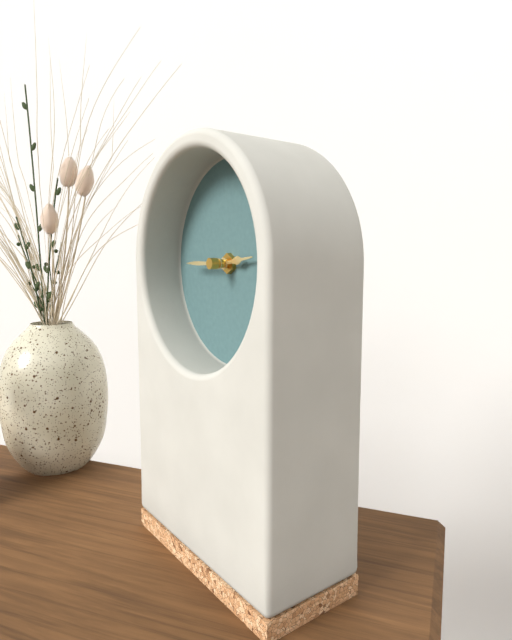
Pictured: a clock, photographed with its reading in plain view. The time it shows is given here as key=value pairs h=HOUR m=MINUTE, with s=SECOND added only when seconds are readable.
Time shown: h=2 m=45
